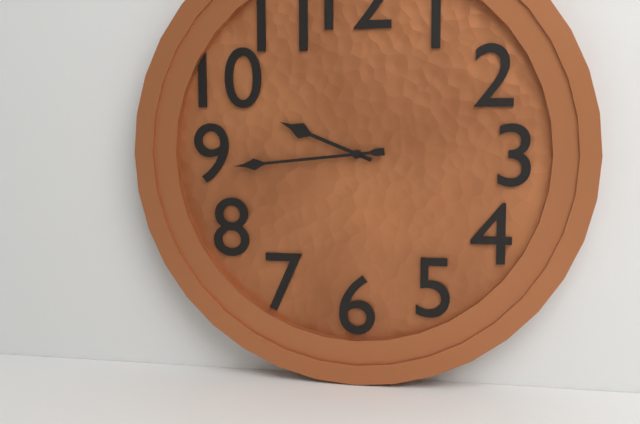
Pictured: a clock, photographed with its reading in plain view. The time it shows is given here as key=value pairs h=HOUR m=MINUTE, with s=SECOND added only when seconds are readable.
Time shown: h=9 m=44
